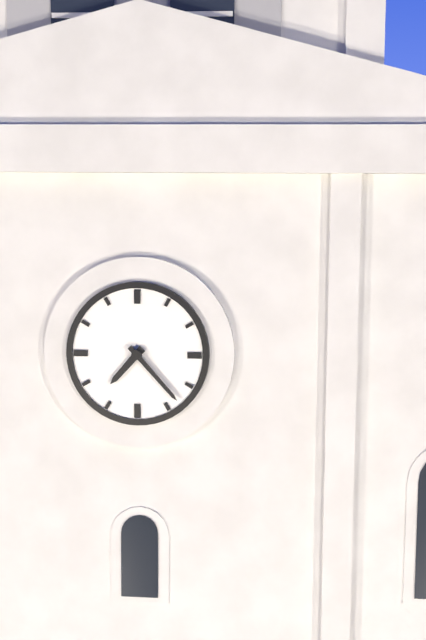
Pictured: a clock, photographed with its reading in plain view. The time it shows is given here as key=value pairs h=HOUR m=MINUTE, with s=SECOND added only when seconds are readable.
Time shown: h=7 m=23
